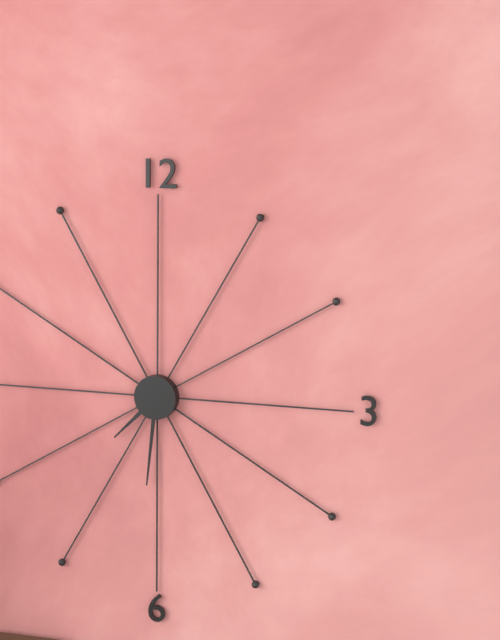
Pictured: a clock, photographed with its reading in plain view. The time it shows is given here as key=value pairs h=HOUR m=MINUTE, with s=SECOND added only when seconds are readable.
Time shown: h=7 m=31
